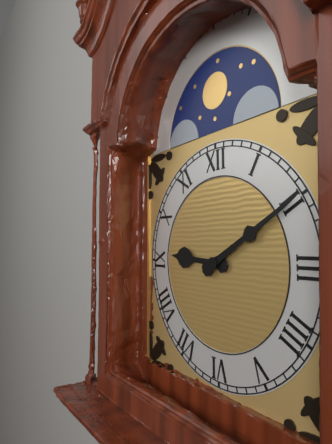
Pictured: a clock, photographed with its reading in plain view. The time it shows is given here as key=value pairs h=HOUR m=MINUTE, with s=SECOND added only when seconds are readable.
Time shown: h=9 m=10
